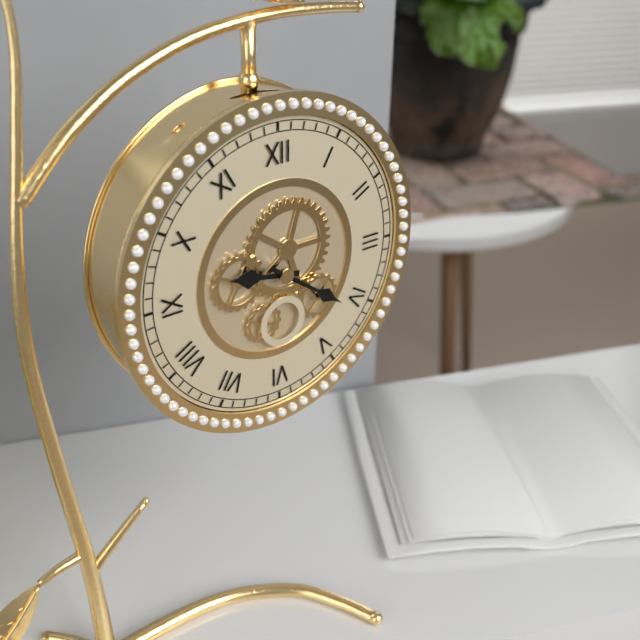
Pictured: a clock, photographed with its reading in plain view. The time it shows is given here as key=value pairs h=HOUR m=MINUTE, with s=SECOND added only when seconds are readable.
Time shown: h=9 m=21
